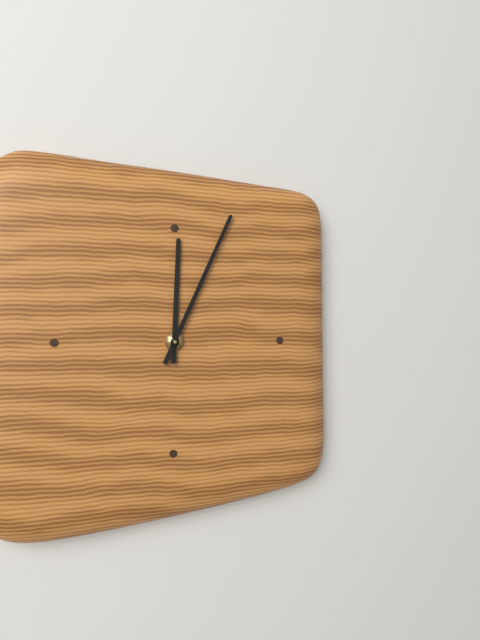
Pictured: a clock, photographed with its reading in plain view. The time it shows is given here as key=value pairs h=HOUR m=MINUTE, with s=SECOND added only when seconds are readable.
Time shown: h=12 m=4
